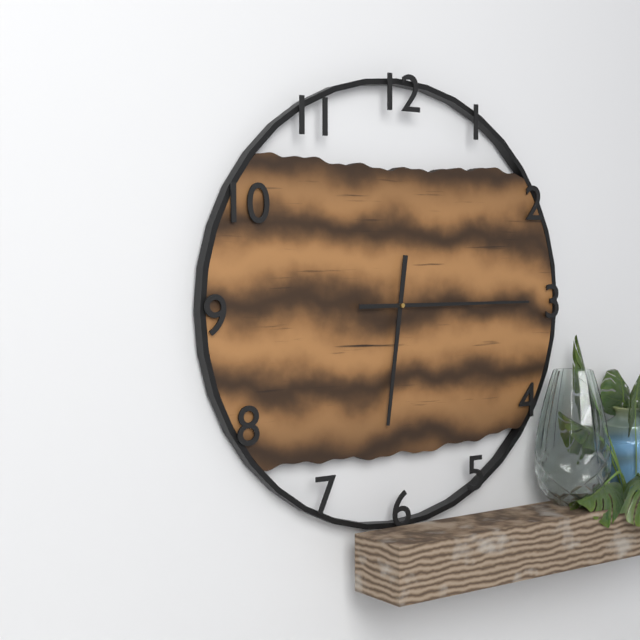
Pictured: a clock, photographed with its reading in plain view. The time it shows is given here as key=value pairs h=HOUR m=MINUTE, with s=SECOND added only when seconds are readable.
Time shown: h=6 m=15
